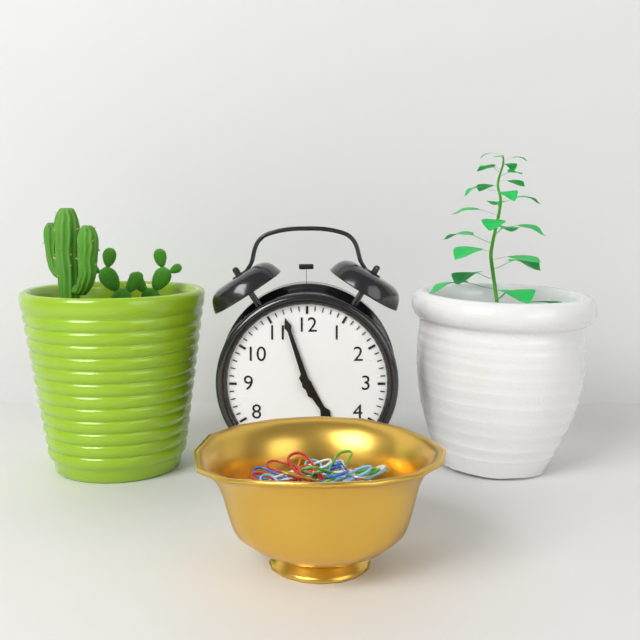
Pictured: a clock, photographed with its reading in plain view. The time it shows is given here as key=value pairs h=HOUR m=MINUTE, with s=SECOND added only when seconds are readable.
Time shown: h=4 m=57
